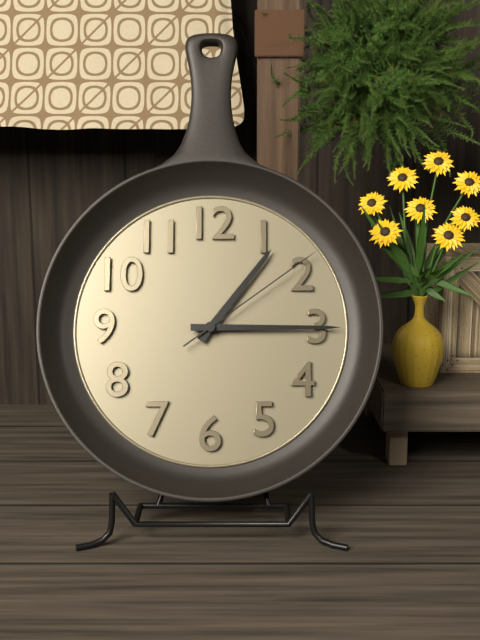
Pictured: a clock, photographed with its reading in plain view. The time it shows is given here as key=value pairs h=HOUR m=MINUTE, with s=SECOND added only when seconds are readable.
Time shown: h=1 m=15 s=9
